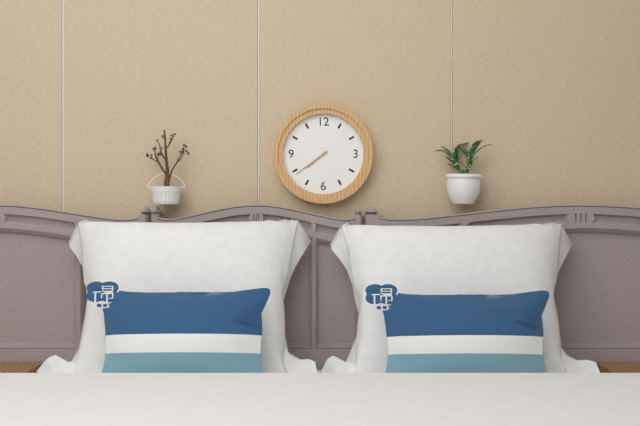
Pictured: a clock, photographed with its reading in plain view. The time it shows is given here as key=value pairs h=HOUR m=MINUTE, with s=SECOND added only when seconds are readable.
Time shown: h=7 m=39
